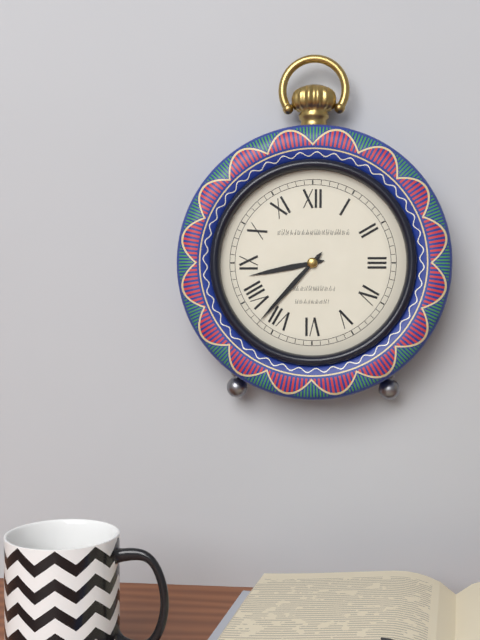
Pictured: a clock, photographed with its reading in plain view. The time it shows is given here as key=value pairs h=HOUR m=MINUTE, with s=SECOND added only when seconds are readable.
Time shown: h=8 m=37
